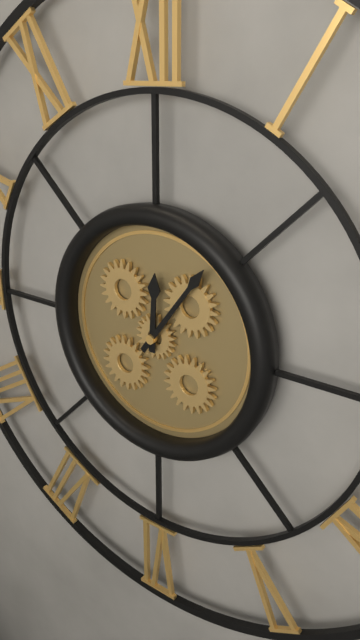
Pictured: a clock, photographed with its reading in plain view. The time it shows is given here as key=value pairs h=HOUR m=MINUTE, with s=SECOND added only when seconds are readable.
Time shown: h=12 m=6
